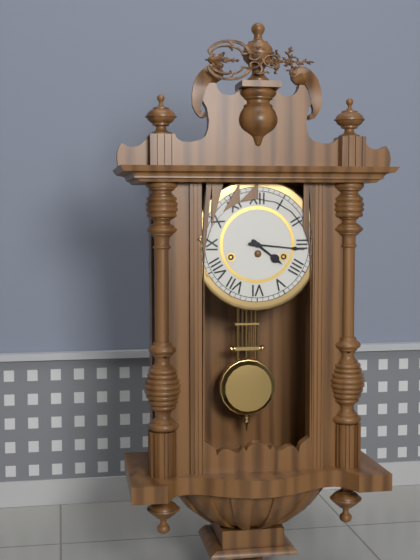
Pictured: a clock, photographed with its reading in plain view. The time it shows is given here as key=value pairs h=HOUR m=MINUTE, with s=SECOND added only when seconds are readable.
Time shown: h=4 m=16
